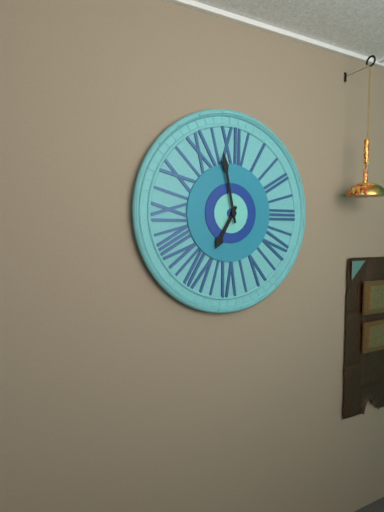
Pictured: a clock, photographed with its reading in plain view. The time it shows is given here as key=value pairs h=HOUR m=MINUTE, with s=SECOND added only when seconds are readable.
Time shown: h=6 m=58
